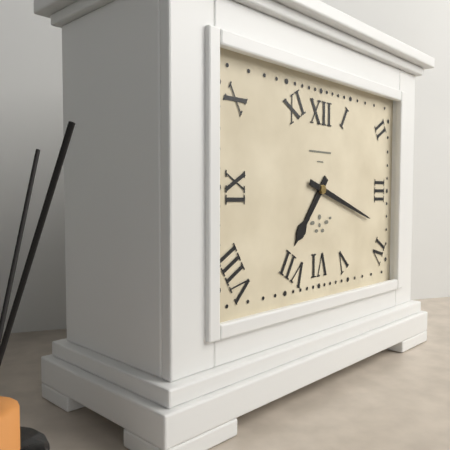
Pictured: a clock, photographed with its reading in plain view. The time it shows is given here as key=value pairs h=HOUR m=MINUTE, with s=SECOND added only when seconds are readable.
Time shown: h=7 m=18
